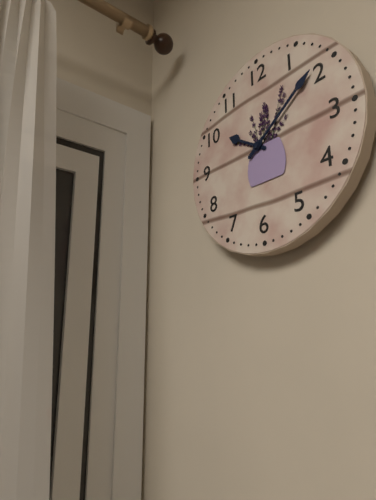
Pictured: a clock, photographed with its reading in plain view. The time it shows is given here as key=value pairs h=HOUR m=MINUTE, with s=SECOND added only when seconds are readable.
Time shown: h=10 m=9
